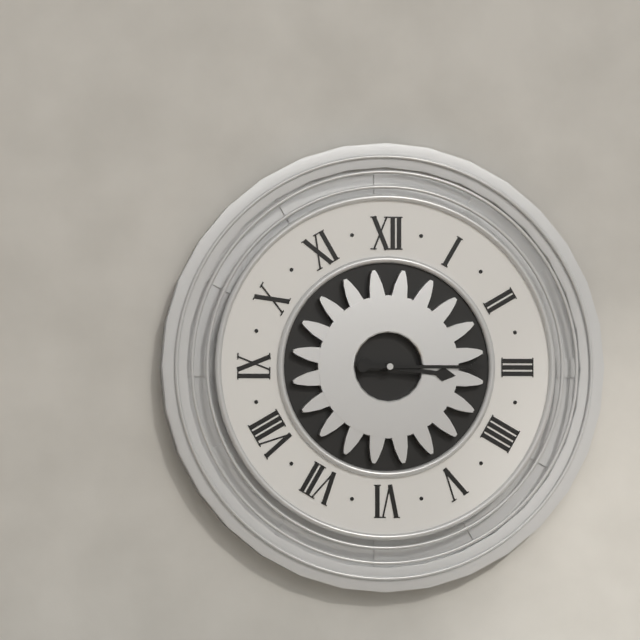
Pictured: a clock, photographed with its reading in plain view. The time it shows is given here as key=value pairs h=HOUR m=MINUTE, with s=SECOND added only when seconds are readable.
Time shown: h=3 m=15
